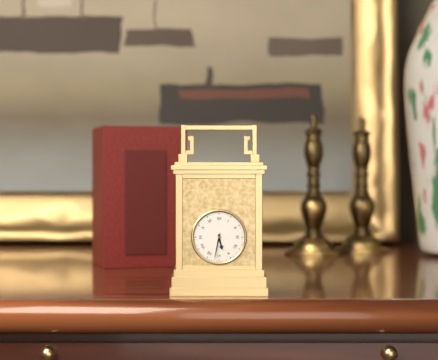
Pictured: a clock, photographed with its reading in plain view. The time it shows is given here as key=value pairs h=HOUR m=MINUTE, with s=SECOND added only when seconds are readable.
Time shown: h=5 m=32
